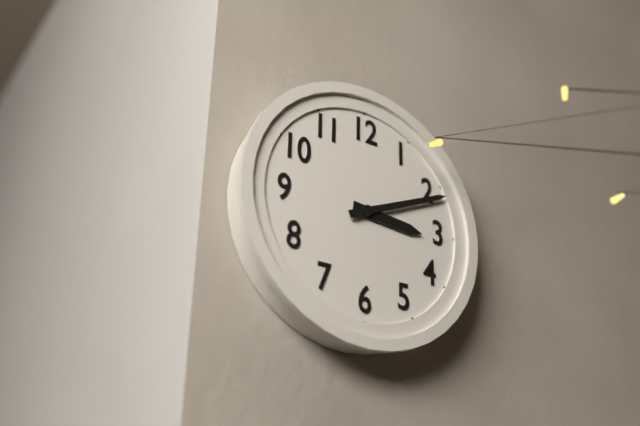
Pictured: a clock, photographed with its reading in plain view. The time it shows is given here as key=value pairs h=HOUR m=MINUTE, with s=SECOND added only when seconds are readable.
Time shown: h=3 m=11
